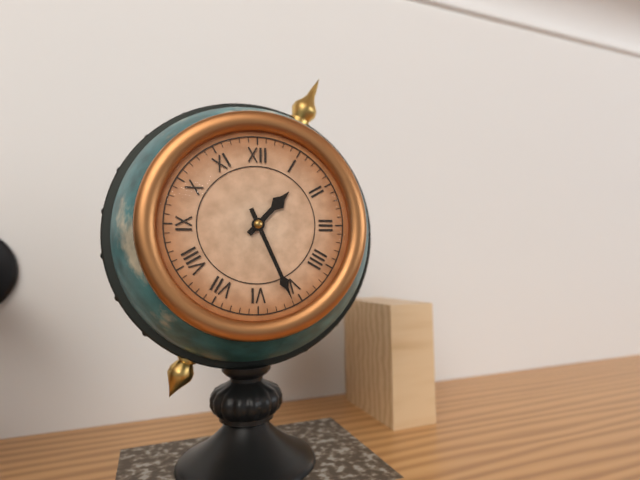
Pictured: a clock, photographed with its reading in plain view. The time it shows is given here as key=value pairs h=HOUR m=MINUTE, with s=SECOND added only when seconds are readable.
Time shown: h=1 m=26
